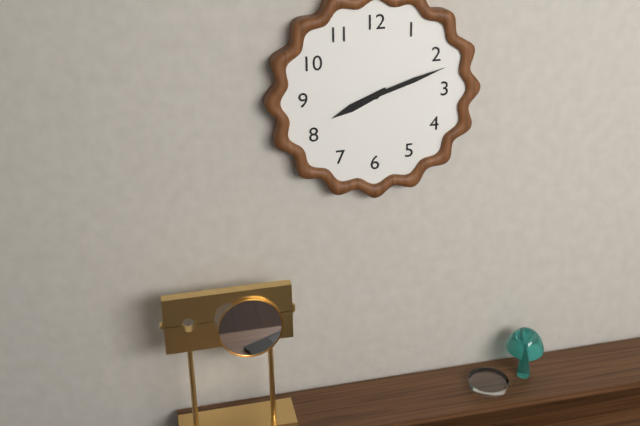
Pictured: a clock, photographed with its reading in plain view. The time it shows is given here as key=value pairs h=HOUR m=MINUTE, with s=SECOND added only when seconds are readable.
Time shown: h=8 m=12
